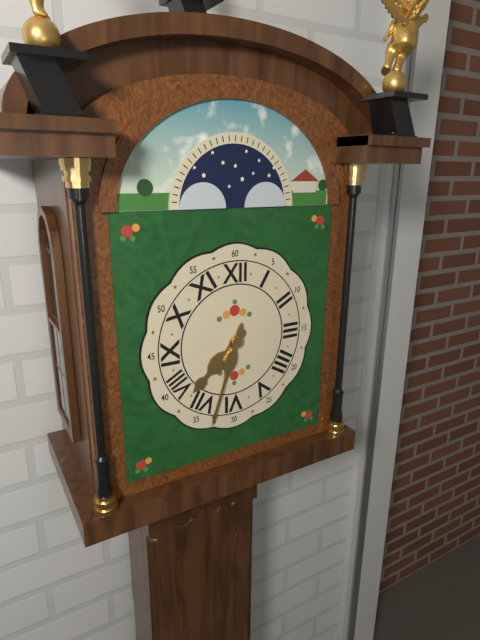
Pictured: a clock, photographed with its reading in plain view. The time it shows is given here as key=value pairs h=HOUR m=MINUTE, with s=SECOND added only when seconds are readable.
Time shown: h=7 m=33
